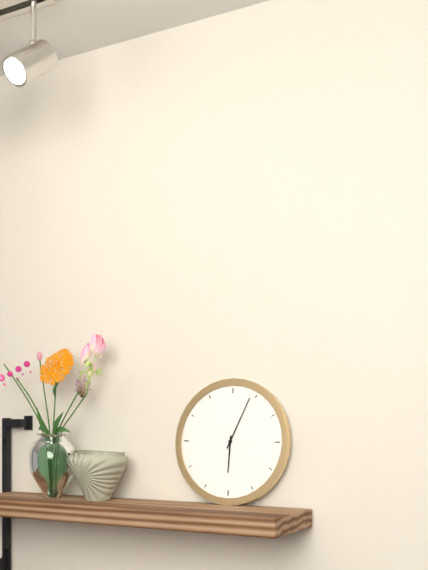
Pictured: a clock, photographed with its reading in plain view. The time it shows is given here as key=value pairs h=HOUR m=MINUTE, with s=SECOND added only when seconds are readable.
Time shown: h=6 m=4
